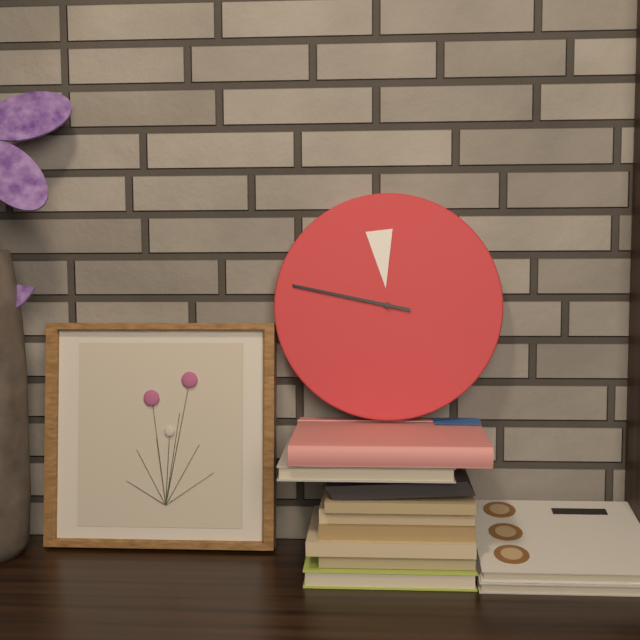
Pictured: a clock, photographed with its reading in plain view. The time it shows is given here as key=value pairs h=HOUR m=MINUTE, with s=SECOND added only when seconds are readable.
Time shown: h=11 m=47
